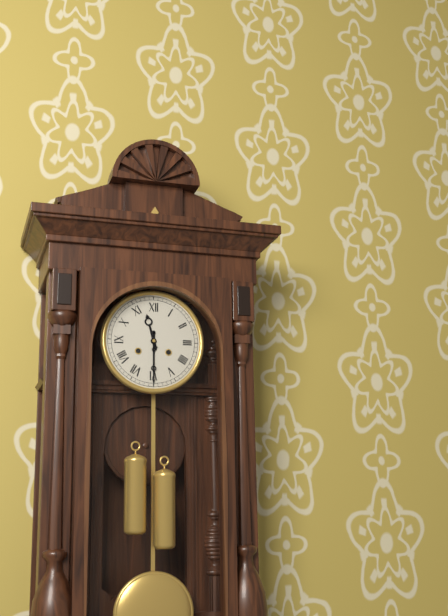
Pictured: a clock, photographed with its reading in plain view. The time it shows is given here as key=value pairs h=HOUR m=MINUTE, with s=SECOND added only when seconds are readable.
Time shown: h=11 m=30
